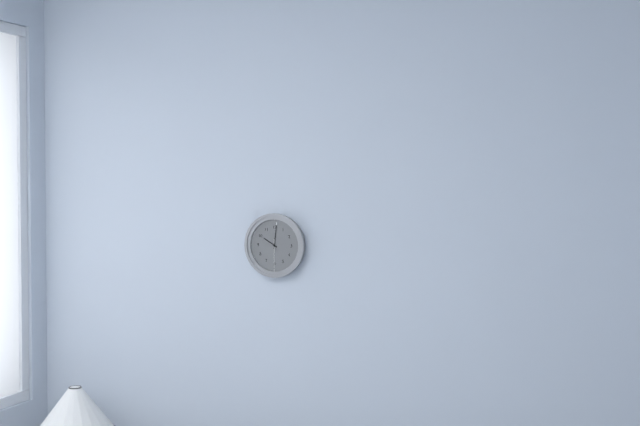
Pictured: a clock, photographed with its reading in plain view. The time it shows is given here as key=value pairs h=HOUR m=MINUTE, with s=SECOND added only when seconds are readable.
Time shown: h=10 m=1
